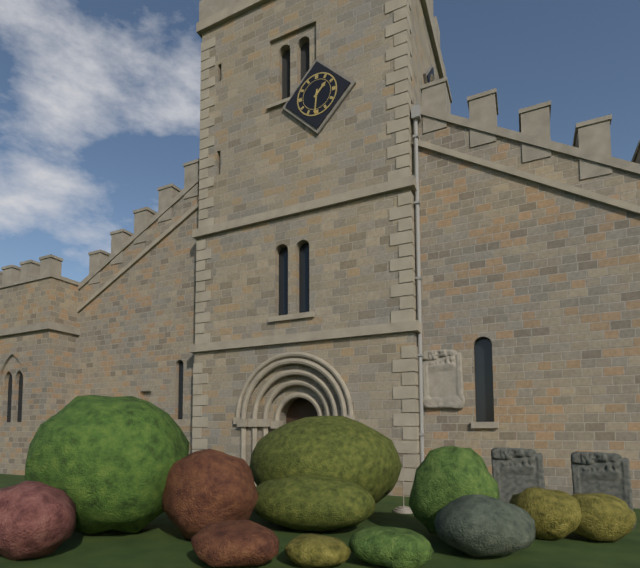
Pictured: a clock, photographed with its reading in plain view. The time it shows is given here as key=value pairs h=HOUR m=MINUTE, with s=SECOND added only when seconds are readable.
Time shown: h=1 m=31
